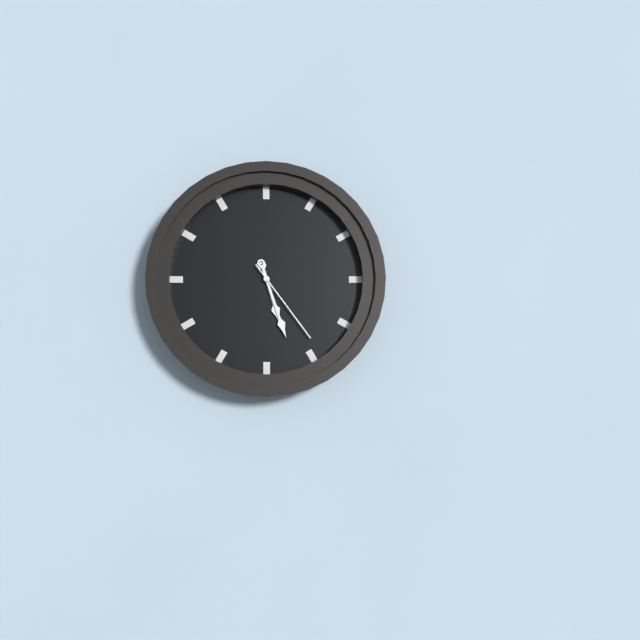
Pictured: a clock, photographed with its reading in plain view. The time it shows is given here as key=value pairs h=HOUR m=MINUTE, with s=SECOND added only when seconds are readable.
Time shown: h=5 m=27 s=24
